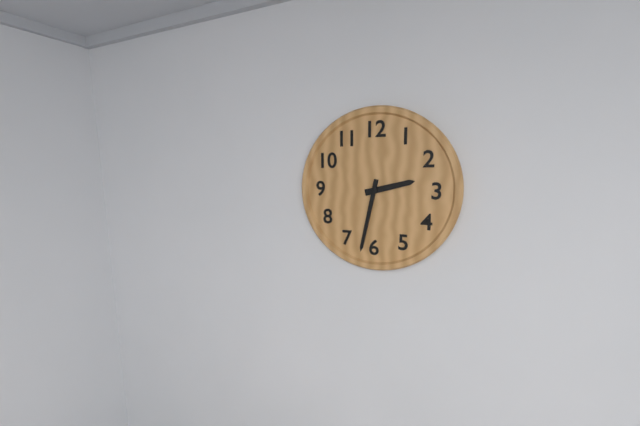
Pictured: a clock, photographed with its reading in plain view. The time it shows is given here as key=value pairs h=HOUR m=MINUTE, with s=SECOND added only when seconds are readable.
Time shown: h=2 m=32
